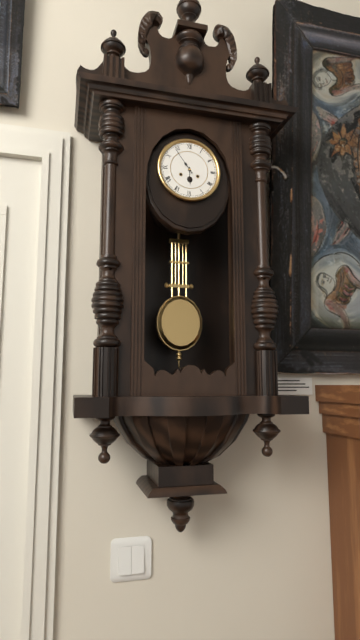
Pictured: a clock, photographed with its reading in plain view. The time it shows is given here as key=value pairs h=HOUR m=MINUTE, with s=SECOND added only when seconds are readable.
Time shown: h=5 m=54
